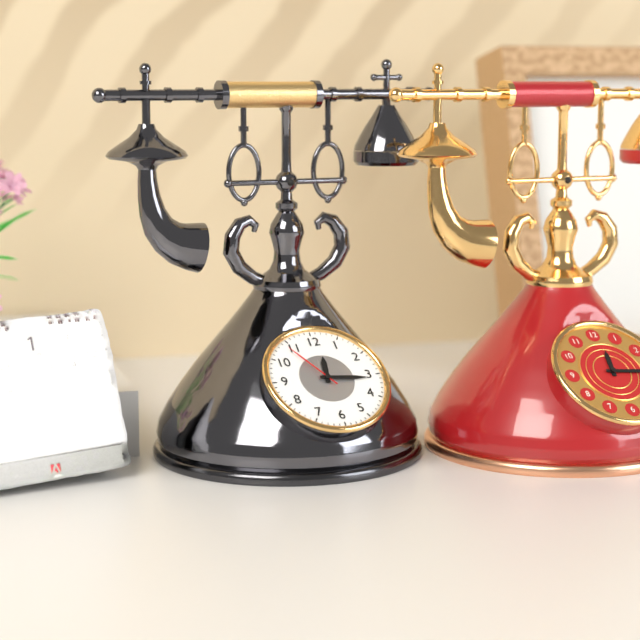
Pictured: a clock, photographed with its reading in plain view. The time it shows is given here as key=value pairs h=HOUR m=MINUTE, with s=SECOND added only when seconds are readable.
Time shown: h=12 m=16 s=54
